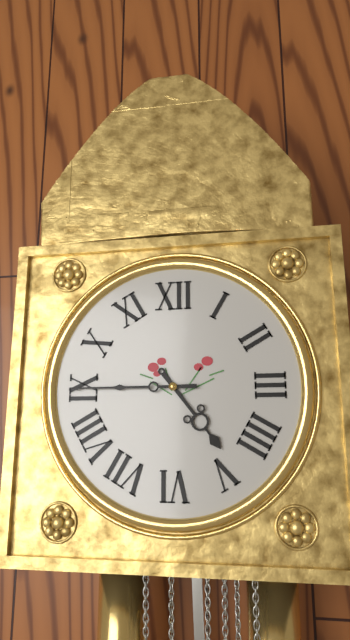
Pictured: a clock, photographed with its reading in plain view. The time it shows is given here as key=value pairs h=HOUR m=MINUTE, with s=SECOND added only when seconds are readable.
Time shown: h=4 m=45
